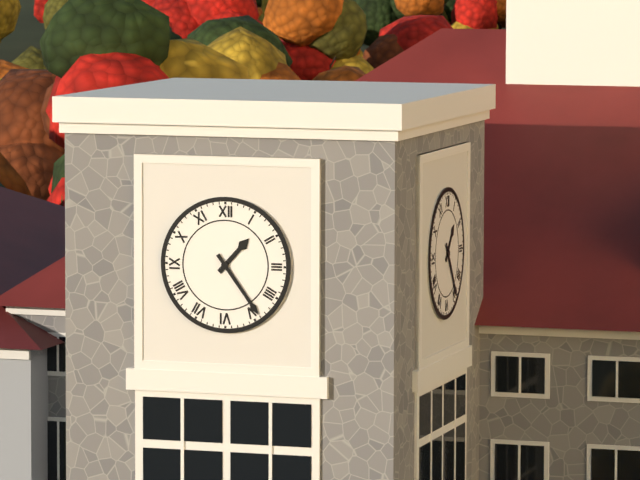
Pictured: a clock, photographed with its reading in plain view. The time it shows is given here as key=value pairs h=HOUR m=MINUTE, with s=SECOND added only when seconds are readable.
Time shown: h=1 m=24
